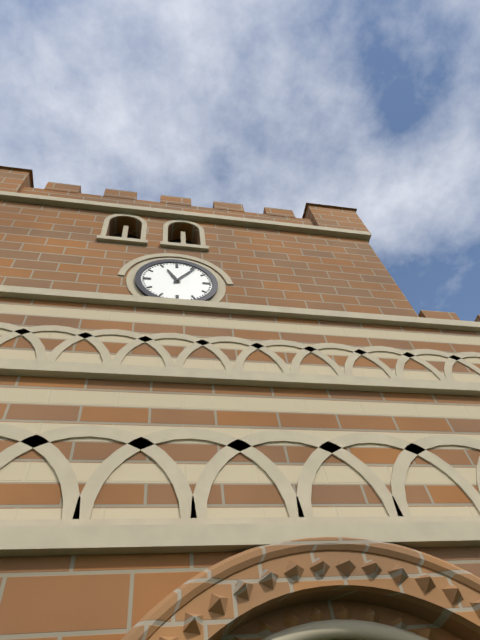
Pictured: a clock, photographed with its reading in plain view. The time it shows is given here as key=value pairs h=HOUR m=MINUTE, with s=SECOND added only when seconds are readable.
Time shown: h=11 m=6
